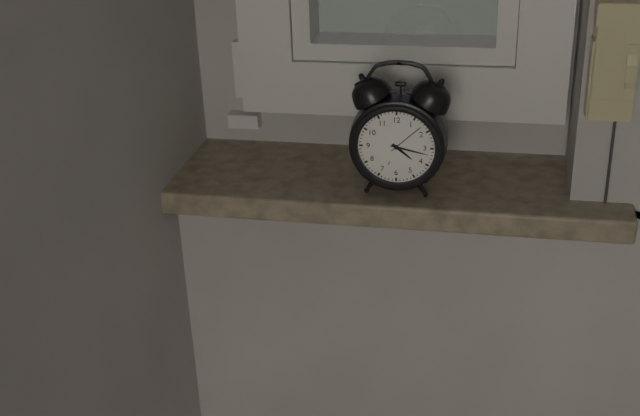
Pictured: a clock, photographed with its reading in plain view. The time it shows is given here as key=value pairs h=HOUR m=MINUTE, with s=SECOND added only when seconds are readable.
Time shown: h=4 m=17
